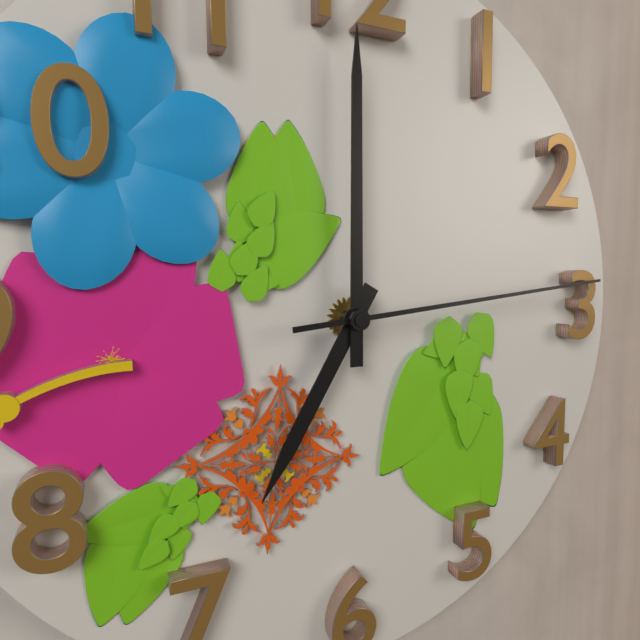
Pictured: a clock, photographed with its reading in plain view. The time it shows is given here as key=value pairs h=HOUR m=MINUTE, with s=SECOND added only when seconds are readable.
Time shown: h=7 m=0 s=14
